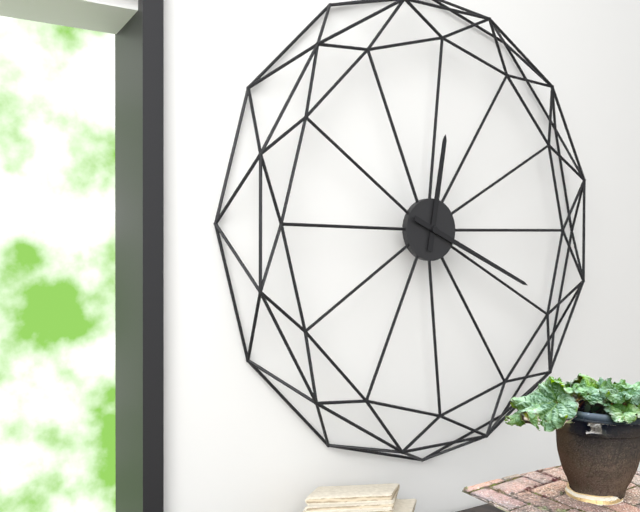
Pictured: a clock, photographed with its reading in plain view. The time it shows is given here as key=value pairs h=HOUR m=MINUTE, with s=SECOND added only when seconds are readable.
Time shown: h=12 m=19
